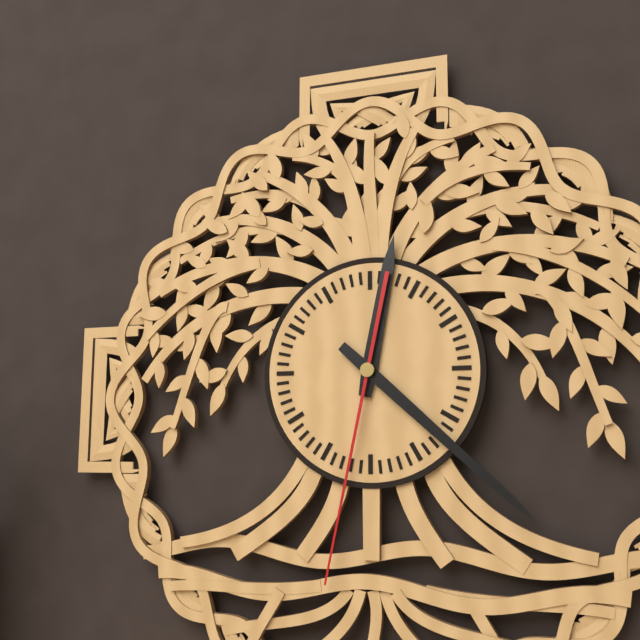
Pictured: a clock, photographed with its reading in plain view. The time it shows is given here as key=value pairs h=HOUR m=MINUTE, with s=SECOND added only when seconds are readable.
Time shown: h=12 m=22 s=32
